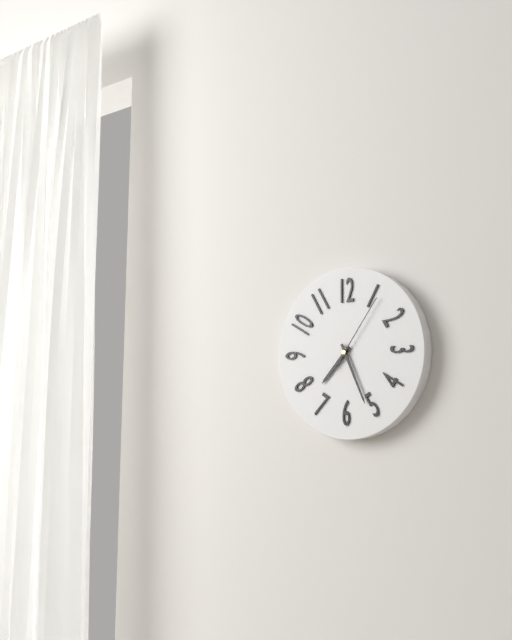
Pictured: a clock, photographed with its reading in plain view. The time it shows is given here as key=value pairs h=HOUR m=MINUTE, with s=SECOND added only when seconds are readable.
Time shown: h=7 m=26 s=6
